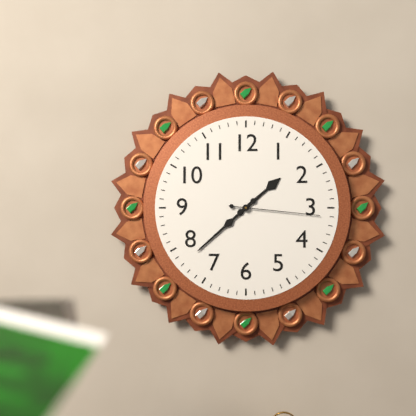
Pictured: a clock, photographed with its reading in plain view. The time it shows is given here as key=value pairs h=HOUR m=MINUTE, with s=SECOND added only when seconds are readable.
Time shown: h=1 m=38 s=16
